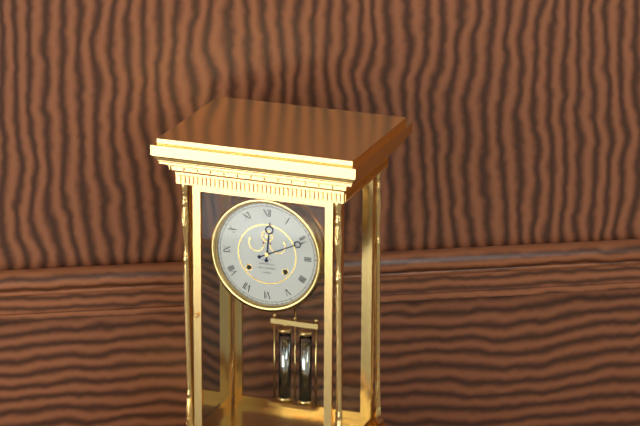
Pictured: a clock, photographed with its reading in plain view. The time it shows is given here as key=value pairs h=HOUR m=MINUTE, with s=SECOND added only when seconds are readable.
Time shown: h=12 m=11
